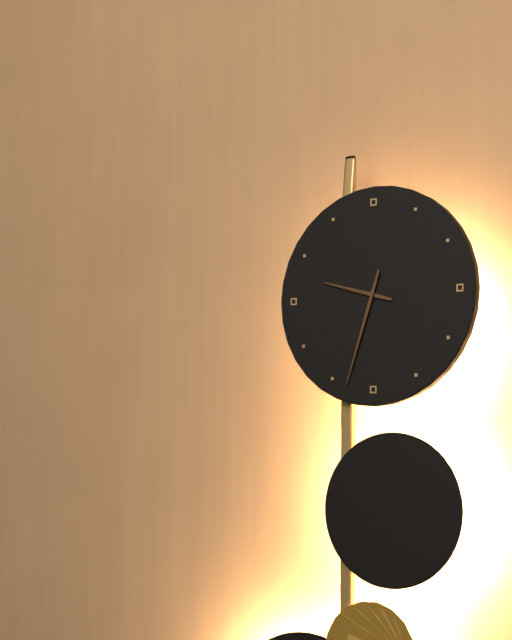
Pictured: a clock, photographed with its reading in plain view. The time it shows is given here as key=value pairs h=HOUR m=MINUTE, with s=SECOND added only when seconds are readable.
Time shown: h=9 m=33
